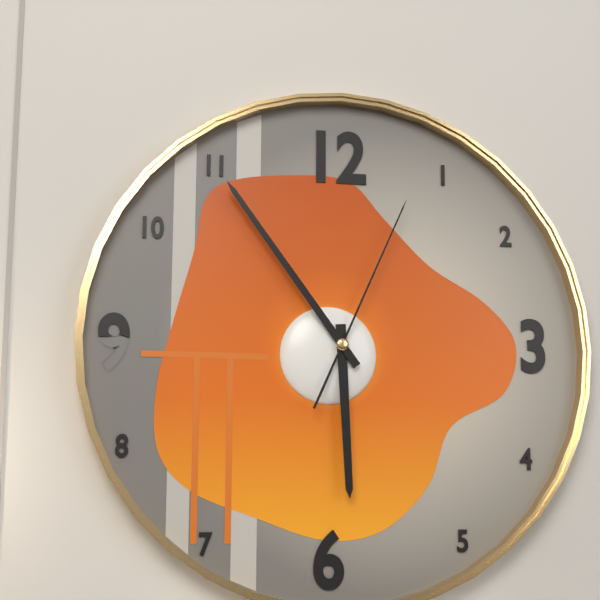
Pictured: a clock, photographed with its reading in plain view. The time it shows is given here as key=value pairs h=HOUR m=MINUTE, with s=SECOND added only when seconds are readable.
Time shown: h=5 m=54 s=4
